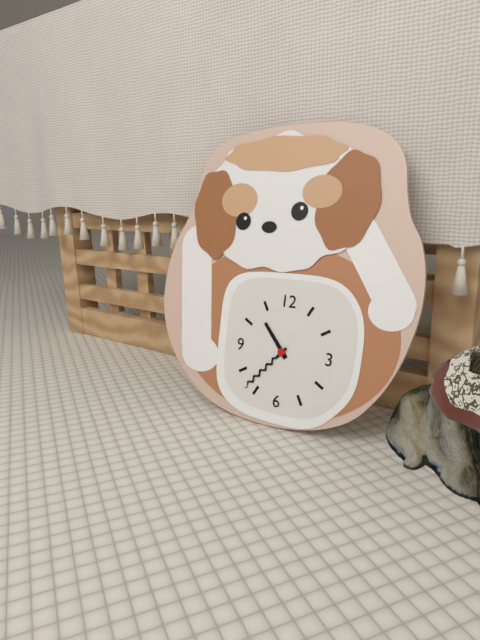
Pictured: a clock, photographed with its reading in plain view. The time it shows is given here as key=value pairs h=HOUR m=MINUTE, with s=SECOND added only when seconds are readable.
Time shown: h=10 m=37
